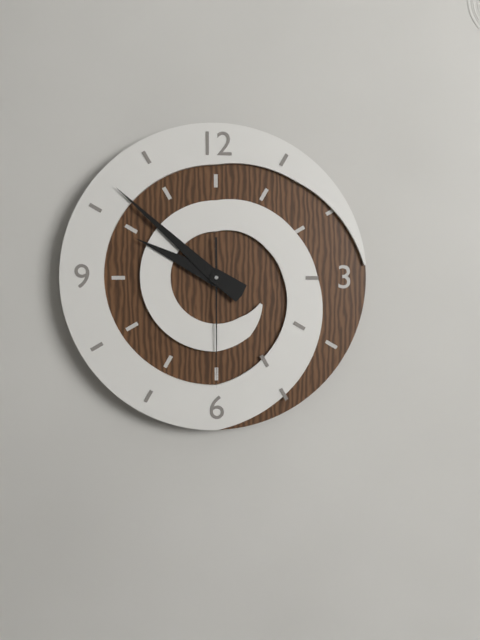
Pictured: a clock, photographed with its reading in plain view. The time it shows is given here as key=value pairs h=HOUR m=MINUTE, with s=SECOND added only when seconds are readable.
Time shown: h=9 m=52 s=30
